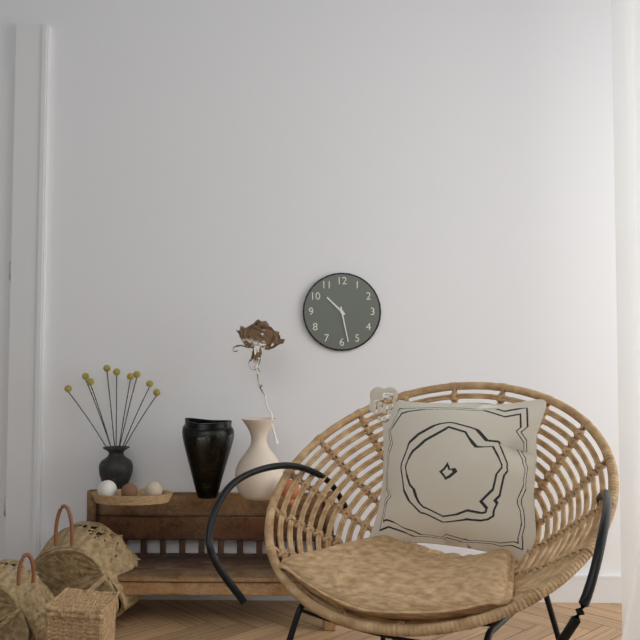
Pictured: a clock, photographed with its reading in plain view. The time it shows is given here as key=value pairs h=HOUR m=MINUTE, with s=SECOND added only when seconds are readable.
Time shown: h=10 m=28
